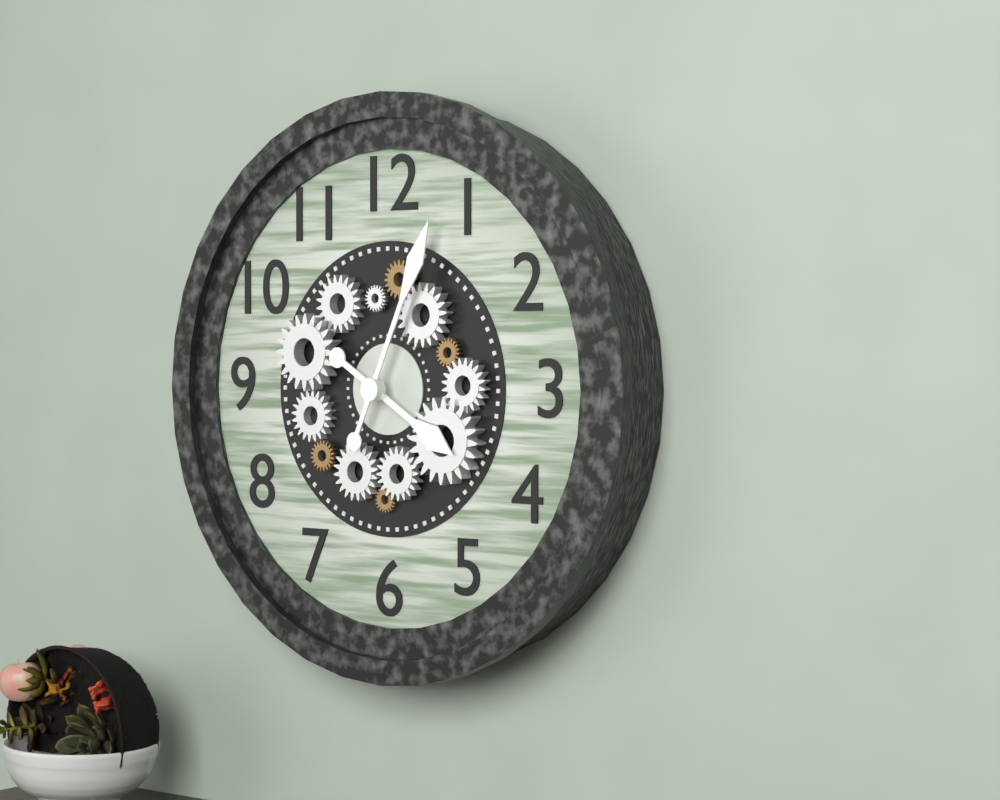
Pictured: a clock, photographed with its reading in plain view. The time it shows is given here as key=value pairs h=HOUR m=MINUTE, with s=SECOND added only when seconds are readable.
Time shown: h=4 m=4
